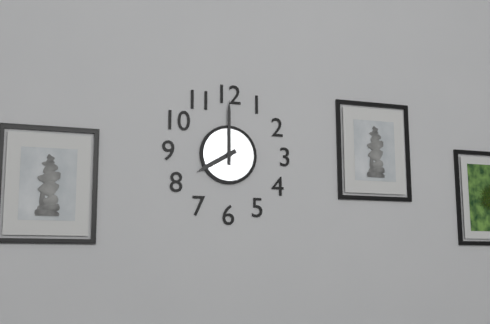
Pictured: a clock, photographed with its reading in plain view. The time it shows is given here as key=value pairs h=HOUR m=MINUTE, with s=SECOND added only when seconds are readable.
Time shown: h=8 m=0
